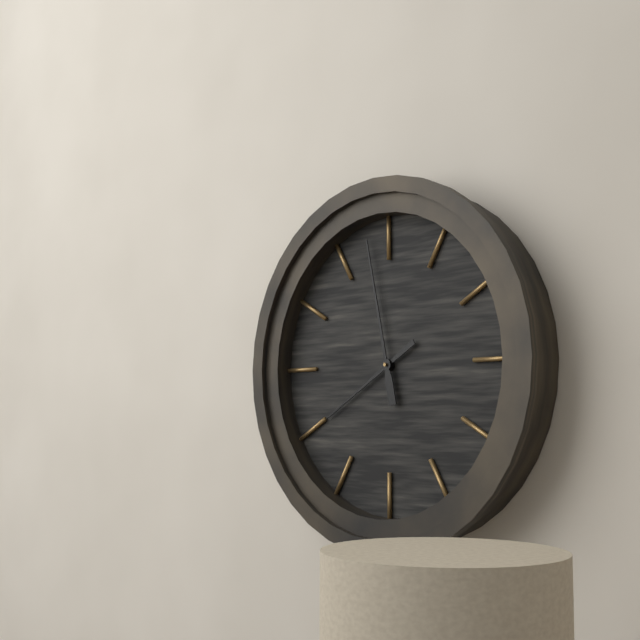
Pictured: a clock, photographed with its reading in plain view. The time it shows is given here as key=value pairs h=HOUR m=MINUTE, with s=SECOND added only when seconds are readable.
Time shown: h=7 m=58
